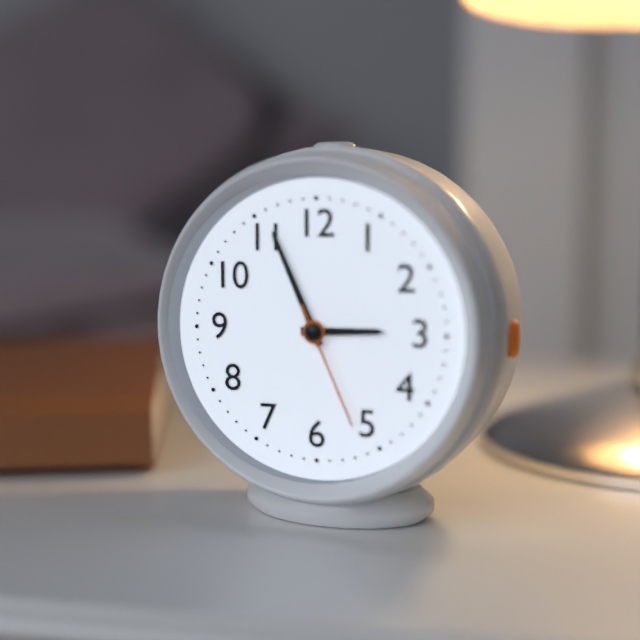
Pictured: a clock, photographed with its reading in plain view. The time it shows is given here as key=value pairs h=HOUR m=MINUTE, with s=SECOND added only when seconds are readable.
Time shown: h=2 m=56 s=26
